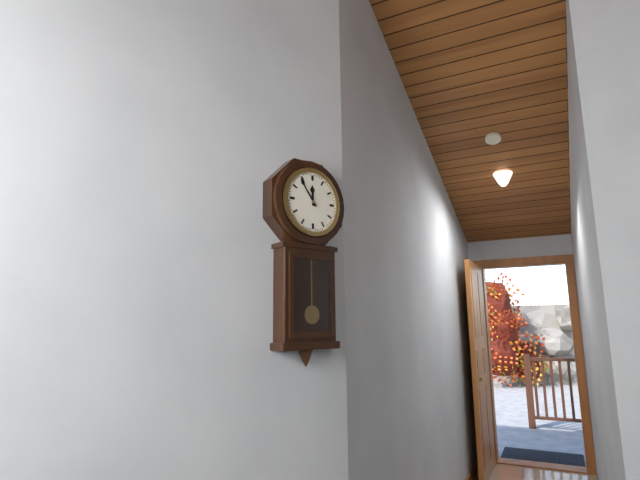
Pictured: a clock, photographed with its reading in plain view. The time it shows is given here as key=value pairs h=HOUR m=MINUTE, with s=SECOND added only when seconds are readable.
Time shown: h=11 m=54
